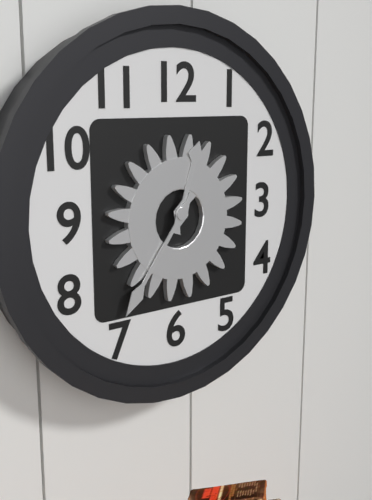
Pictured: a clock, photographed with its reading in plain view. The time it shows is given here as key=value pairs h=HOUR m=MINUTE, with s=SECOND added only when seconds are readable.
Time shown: h=12 m=36
